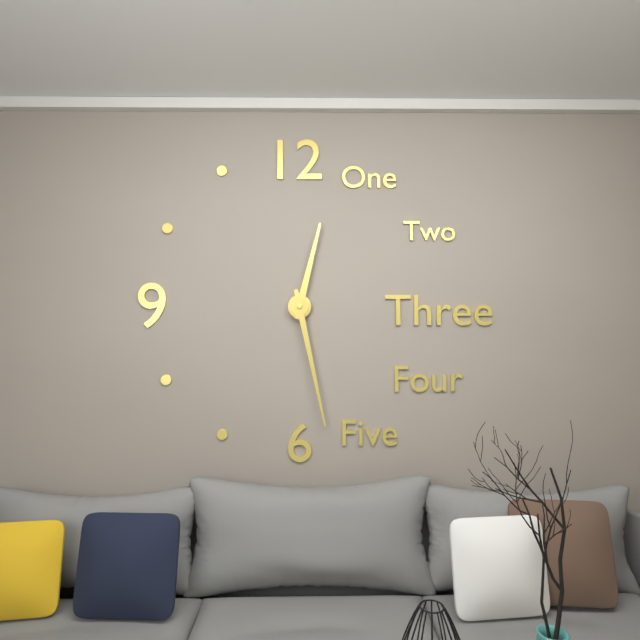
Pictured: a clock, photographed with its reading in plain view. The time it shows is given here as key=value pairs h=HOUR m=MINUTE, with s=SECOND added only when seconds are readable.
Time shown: h=12 m=28
